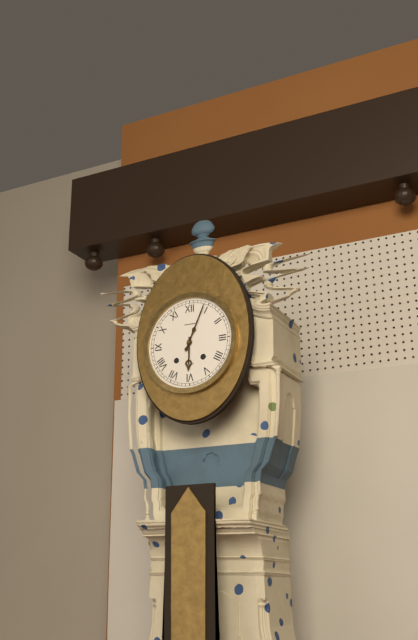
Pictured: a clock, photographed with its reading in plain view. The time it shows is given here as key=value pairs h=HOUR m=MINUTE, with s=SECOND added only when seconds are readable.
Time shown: h=6 m=4
